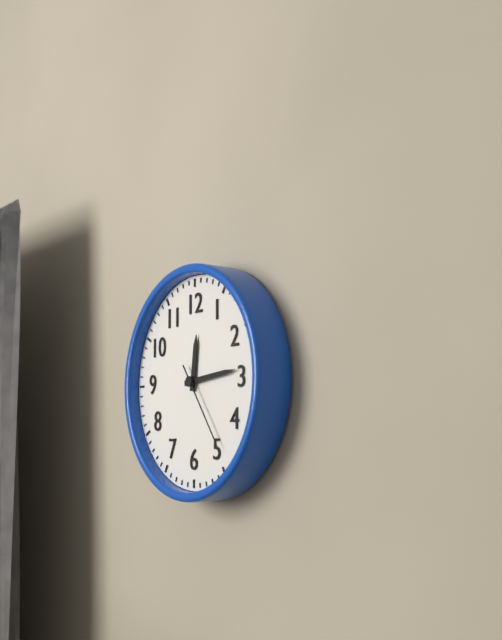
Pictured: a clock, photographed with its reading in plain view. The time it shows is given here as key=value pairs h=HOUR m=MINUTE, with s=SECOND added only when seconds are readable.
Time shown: h=12 m=14 s=24
